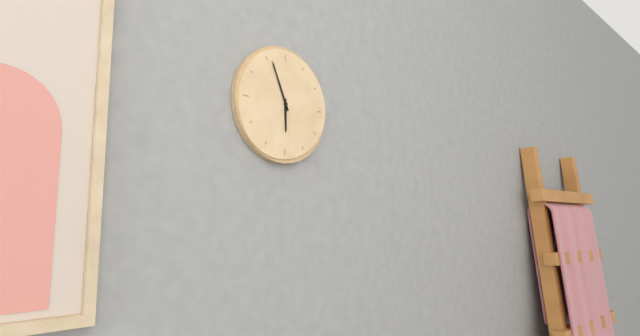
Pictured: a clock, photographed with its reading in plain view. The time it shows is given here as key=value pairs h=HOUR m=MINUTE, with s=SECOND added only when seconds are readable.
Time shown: h=5 m=56
